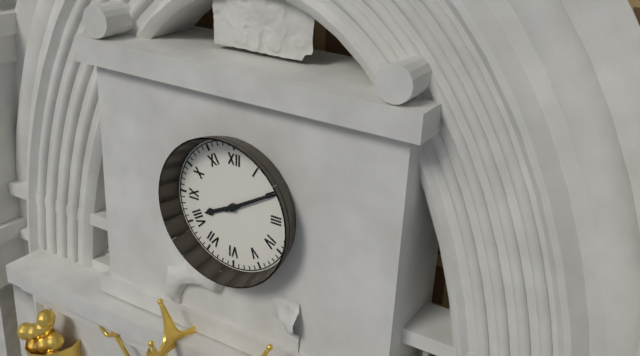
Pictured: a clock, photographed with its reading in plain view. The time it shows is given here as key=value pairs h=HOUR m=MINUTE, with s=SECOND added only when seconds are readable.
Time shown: h=8 m=10
